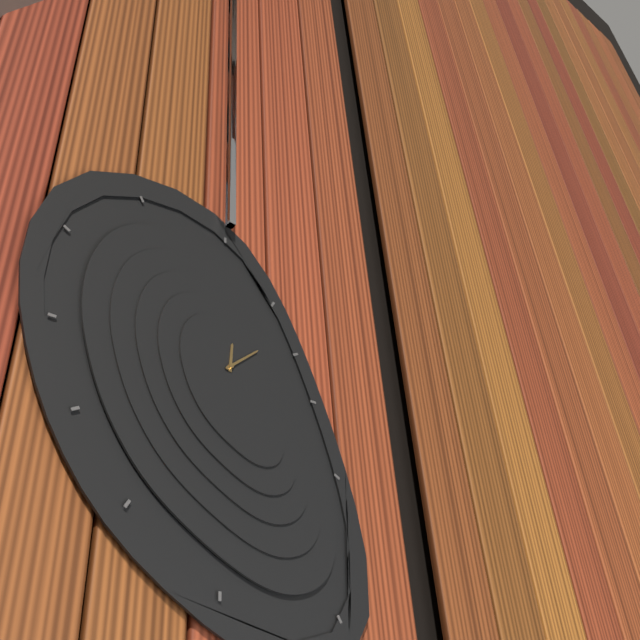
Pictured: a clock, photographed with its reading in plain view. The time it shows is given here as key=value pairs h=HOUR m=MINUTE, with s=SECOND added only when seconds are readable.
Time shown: h=12 m=8
